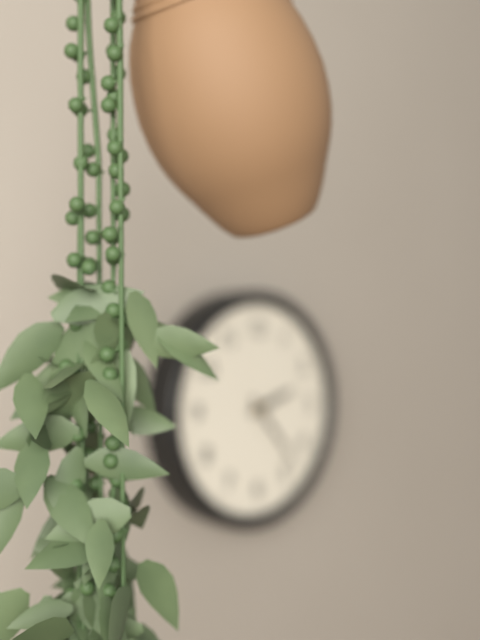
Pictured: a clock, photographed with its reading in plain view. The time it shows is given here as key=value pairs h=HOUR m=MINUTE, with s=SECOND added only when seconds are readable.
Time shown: h=2 m=23
